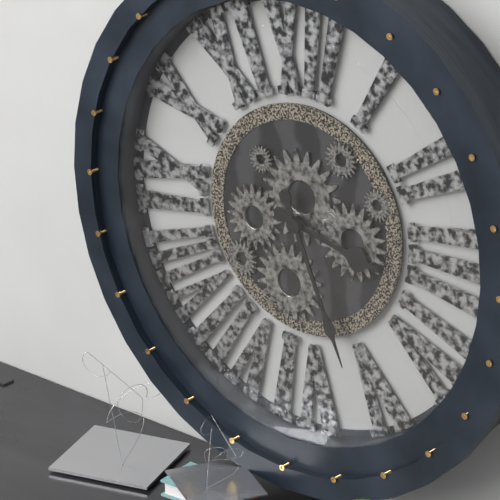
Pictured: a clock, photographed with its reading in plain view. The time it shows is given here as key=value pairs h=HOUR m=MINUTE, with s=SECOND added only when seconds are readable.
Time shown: h=3 m=26
